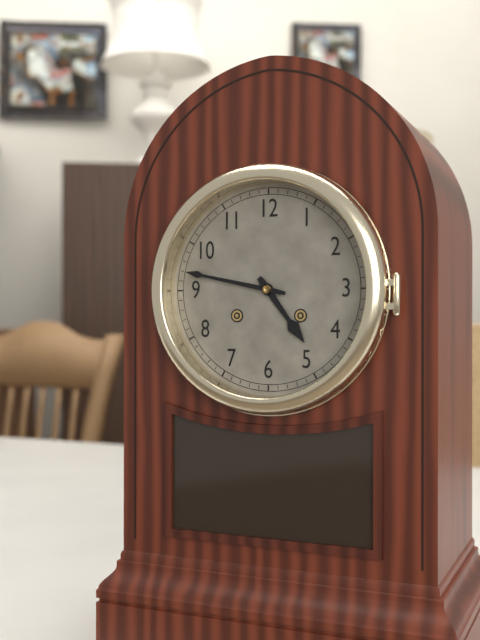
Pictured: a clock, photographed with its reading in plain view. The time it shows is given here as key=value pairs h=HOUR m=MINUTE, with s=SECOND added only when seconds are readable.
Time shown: h=4 m=47
